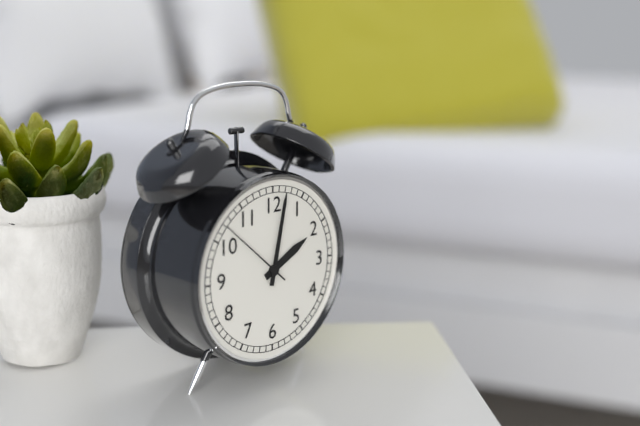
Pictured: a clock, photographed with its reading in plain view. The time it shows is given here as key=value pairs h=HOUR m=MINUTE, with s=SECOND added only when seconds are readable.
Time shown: h=2 m=2 s=52
